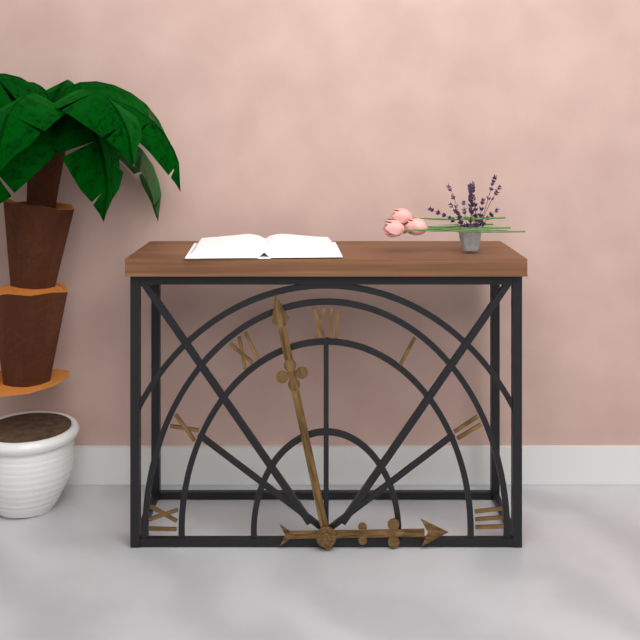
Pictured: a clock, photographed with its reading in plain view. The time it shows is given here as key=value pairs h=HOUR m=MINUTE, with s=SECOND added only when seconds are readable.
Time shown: h=2 m=58
